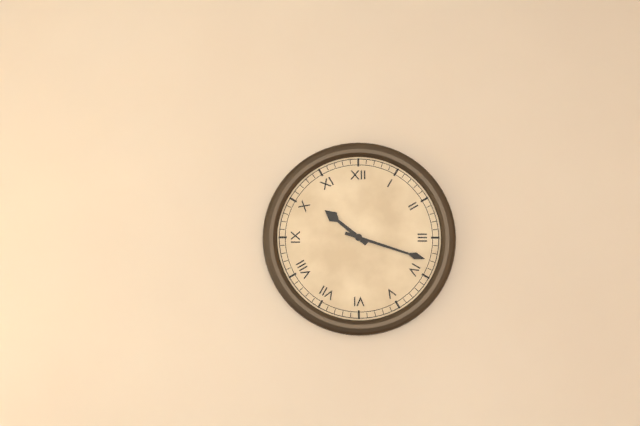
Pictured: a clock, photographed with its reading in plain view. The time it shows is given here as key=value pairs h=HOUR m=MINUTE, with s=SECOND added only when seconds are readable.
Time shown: h=10 m=18
